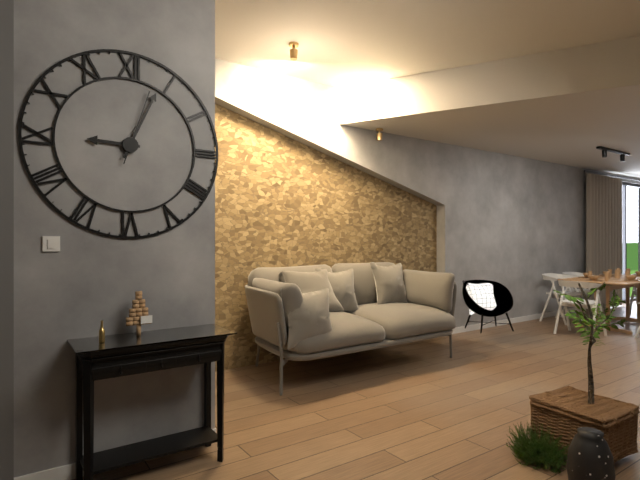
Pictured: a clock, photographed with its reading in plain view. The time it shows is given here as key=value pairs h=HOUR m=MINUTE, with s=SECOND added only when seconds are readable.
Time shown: h=9 m=4 s=3
